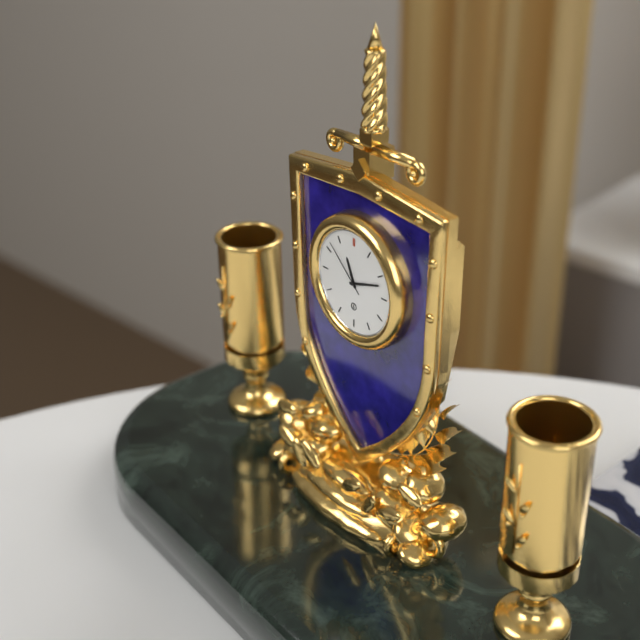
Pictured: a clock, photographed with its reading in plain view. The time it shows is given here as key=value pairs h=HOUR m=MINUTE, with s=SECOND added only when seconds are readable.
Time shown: h=11 m=12 s=52
